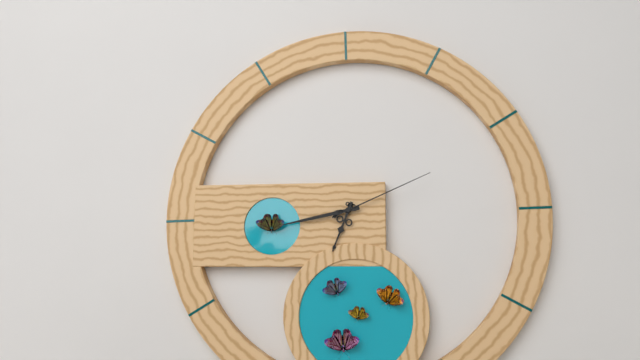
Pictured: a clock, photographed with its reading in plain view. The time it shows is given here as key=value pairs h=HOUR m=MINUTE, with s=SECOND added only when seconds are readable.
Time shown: h=6 m=43 s=11
